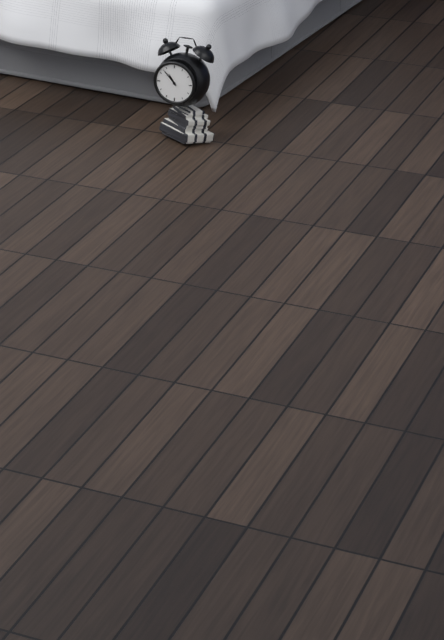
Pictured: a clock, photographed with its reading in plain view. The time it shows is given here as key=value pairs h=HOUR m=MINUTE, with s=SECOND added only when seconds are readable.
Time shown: h=10 m=53
